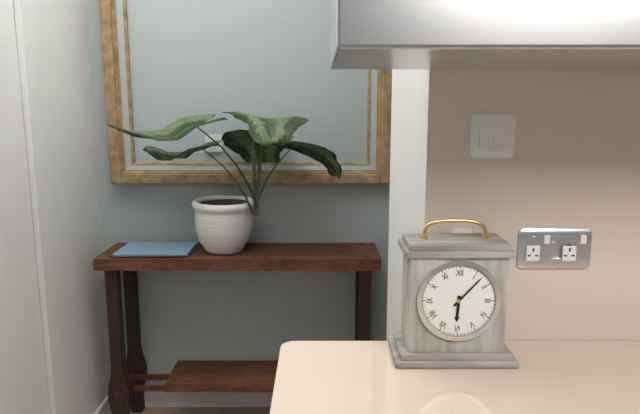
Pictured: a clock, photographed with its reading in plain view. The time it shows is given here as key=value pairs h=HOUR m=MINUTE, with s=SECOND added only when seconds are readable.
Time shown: h=6 m=7
